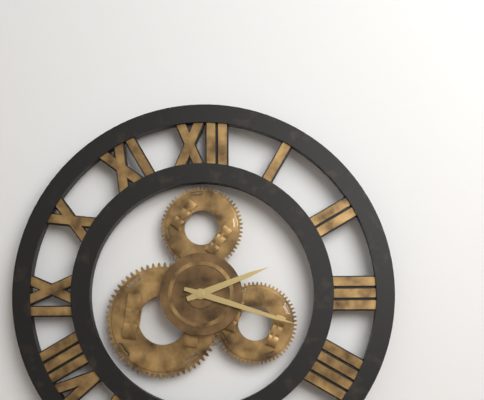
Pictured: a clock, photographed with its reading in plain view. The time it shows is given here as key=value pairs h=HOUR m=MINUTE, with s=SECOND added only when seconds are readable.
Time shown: h=2 m=18
